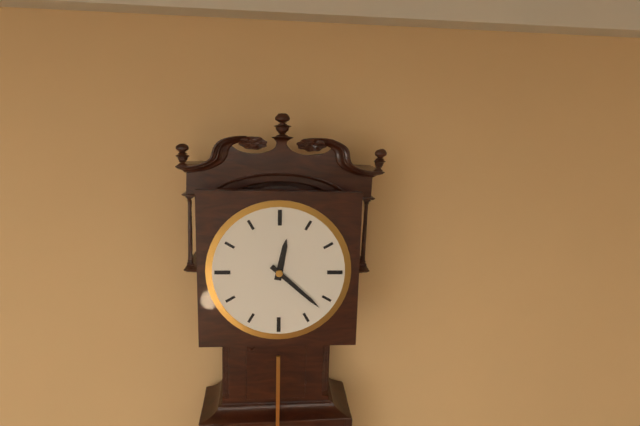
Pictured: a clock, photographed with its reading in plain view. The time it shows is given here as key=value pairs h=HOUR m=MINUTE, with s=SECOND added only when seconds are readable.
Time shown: h=12 m=22
